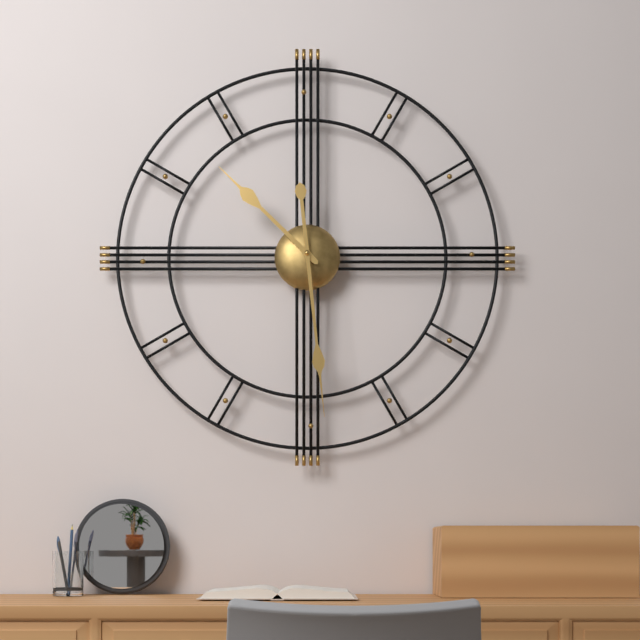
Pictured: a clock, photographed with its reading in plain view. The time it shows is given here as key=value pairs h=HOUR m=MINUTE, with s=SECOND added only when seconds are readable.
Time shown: h=10 m=29
